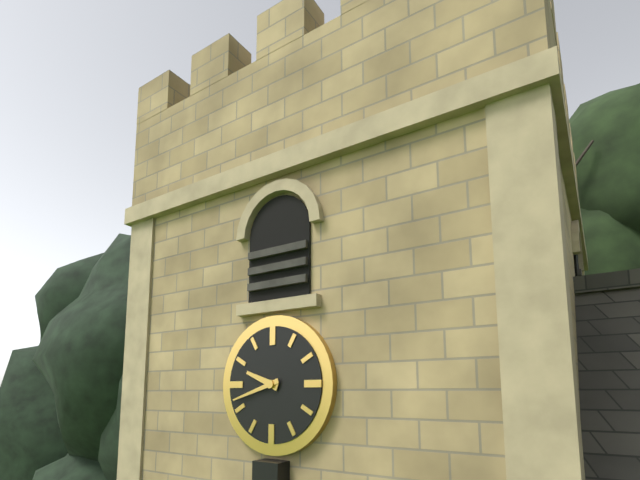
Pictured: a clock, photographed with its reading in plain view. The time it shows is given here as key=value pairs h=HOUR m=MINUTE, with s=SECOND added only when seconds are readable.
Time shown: h=9 m=42
